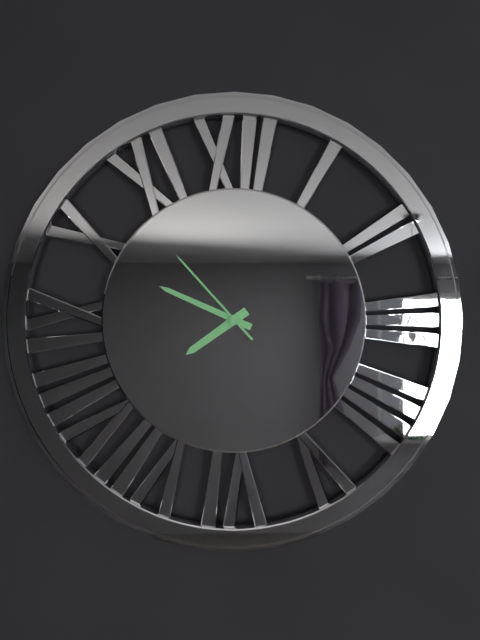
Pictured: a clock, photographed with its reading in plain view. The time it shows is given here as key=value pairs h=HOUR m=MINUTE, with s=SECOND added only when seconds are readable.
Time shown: h=7 m=49 s=53
